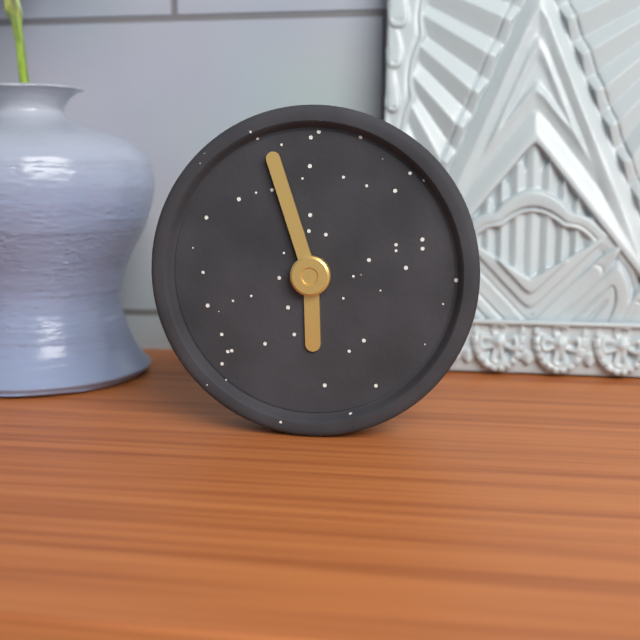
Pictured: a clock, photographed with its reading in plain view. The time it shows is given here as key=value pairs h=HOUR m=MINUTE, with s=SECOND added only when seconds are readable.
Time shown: h=5 m=57
